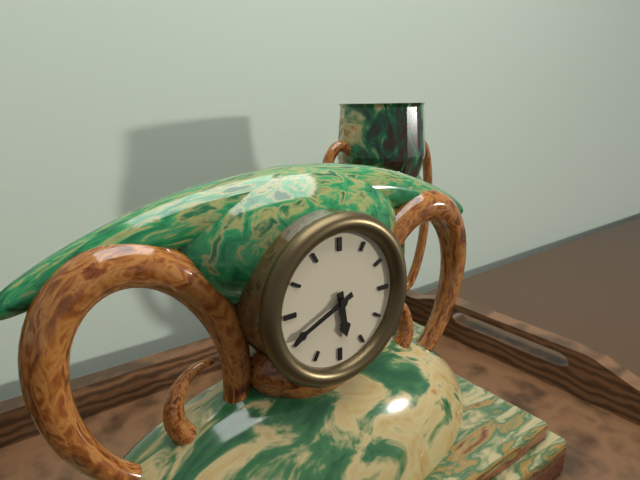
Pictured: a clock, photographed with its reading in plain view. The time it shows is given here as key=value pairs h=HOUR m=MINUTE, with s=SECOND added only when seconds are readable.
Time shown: h=5 m=41
